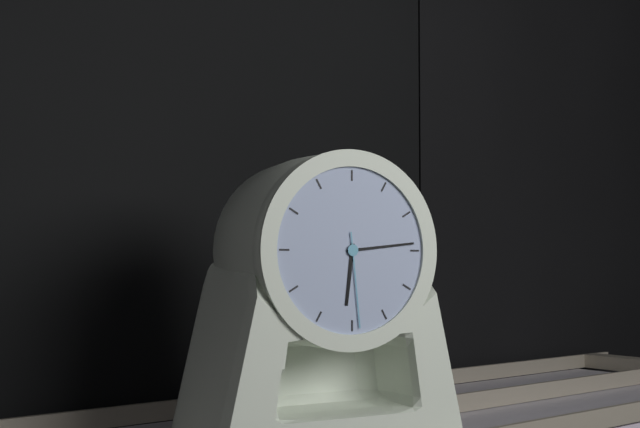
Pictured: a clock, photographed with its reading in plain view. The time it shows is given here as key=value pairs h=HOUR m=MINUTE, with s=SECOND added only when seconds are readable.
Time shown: h=6 m=14 s=29
